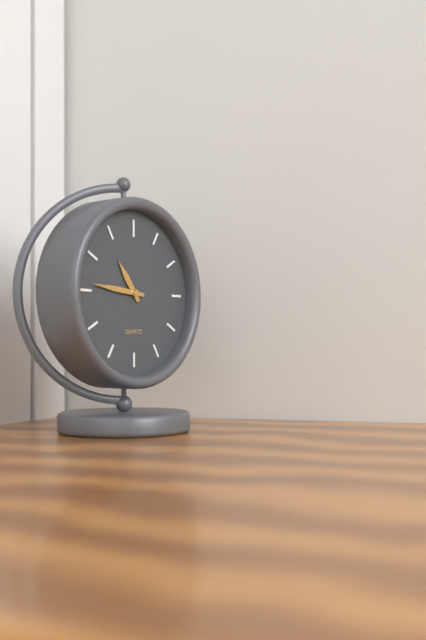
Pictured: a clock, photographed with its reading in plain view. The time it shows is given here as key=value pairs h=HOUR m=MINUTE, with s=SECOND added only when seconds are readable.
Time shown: h=10 m=46
